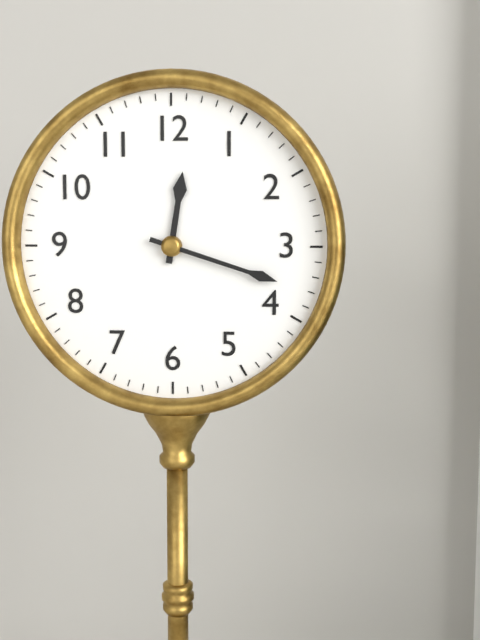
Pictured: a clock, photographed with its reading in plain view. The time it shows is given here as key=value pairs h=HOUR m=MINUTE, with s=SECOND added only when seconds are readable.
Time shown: h=12 m=18
